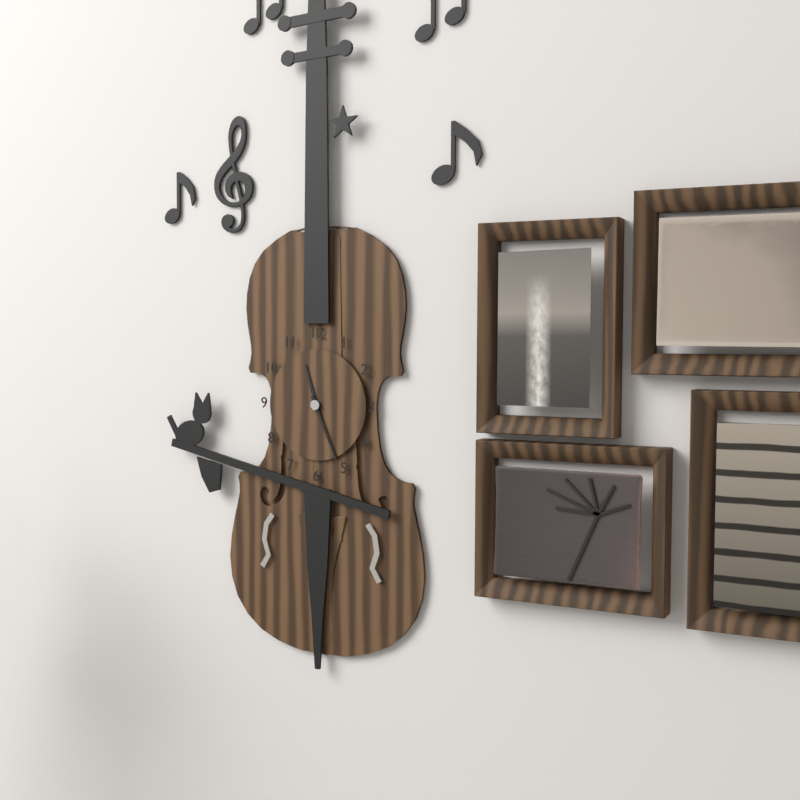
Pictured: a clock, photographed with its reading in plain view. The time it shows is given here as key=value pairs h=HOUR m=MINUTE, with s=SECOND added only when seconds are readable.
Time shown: h=11 m=26
